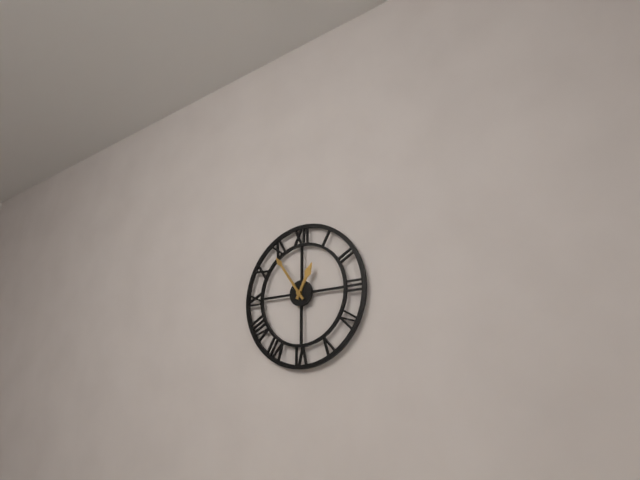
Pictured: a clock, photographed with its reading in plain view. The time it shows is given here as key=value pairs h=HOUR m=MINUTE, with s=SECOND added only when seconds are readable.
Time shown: h=12 m=54
